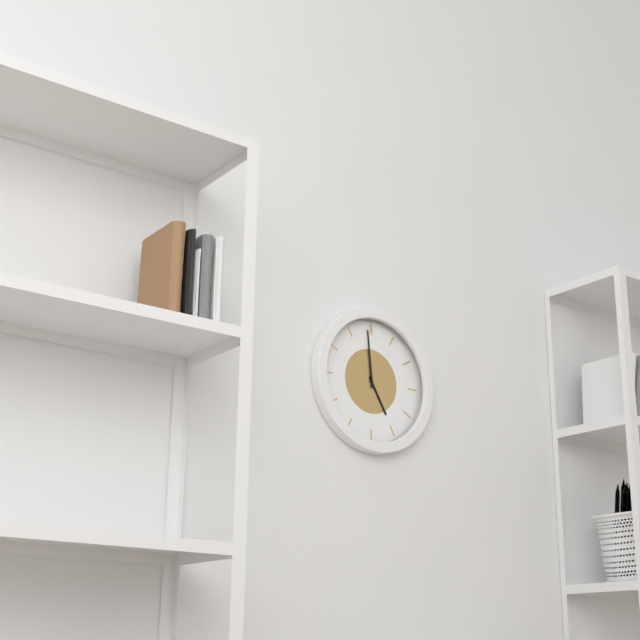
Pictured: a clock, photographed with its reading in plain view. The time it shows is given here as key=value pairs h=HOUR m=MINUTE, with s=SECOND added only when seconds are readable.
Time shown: h=4 m=59
